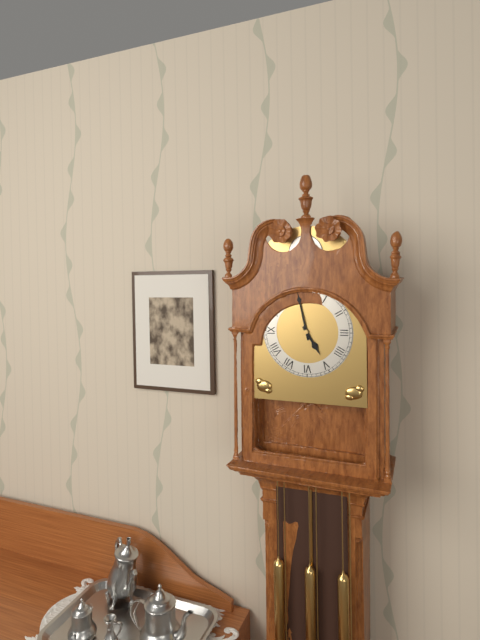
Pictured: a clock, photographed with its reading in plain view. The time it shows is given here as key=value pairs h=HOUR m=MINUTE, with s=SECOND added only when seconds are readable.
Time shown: h=4 m=58
